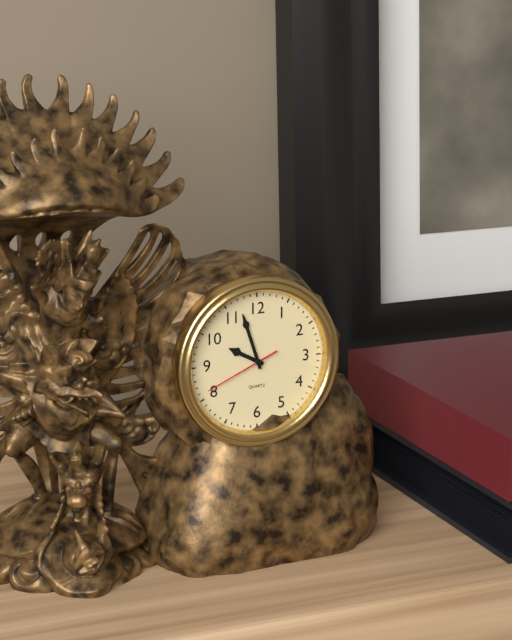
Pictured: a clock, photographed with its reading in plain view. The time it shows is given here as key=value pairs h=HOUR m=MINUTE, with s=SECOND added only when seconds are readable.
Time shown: h=9 m=57 s=41
